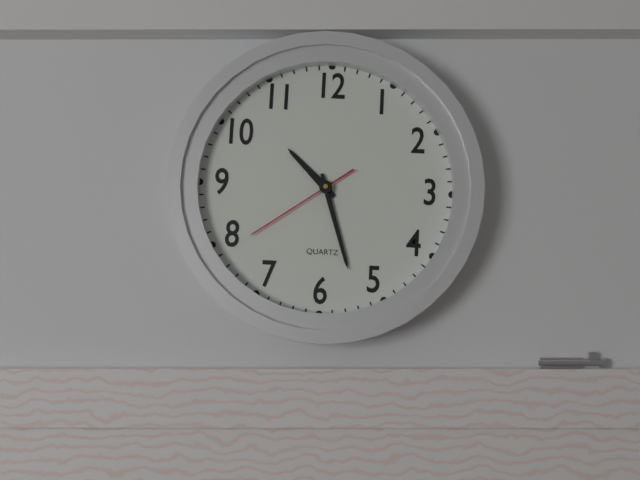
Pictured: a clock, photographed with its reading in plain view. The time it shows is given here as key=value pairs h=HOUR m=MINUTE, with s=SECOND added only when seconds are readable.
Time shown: h=10 m=27 s=39
